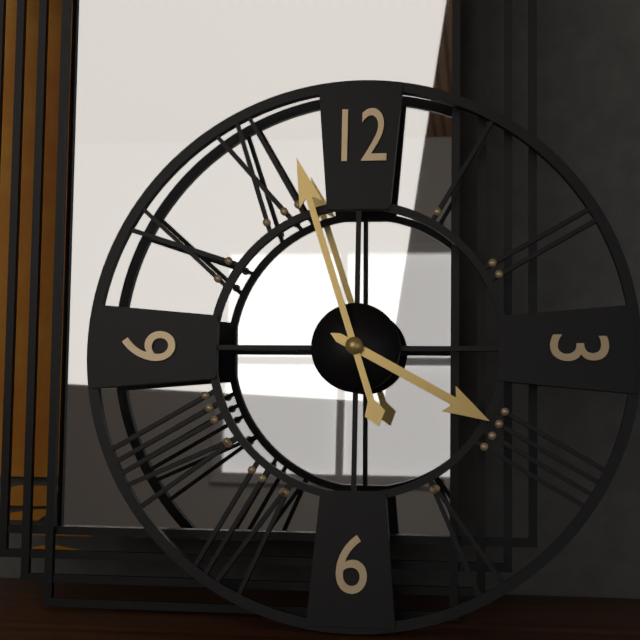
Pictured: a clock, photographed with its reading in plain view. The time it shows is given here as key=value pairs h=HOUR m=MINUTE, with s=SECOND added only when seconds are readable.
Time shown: h=3 m=57
